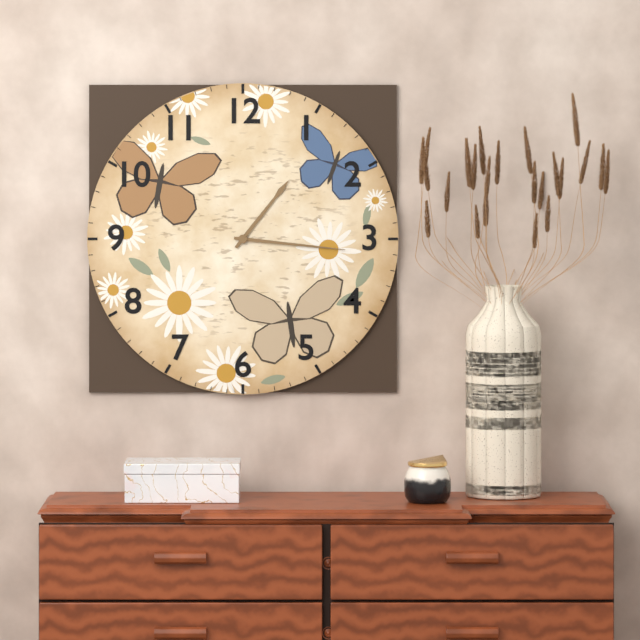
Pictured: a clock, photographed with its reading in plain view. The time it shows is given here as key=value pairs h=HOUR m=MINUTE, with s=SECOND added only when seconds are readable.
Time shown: h=1 m=16
